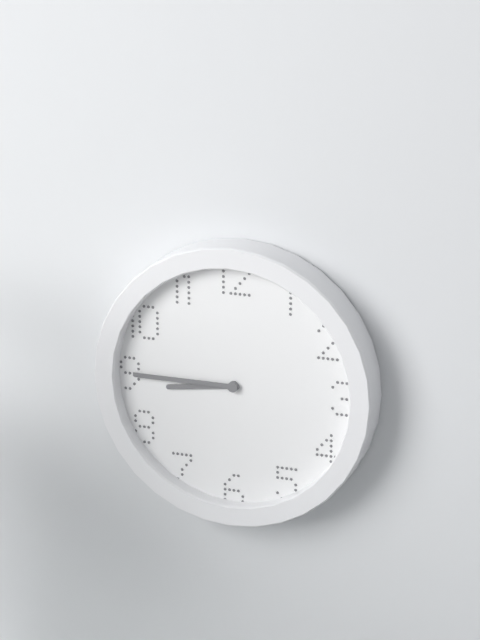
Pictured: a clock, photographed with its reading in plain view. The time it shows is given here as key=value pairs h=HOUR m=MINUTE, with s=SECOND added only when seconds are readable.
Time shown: h=8 m=45
